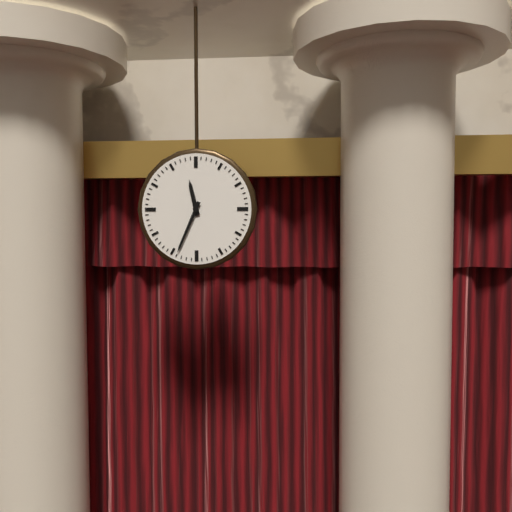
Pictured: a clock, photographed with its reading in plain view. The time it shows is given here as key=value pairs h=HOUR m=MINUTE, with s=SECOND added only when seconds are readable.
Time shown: h=11 m=34
